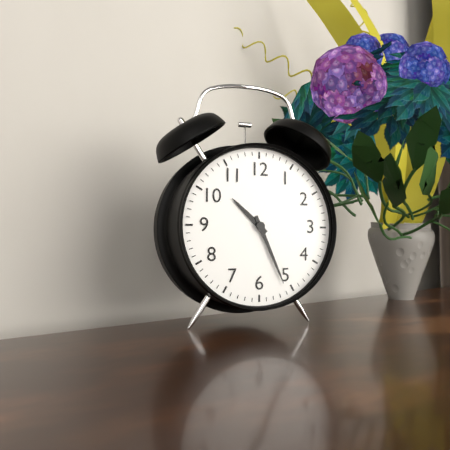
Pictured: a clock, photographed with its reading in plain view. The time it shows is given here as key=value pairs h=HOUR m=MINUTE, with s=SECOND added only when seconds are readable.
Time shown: h=10 m=26
